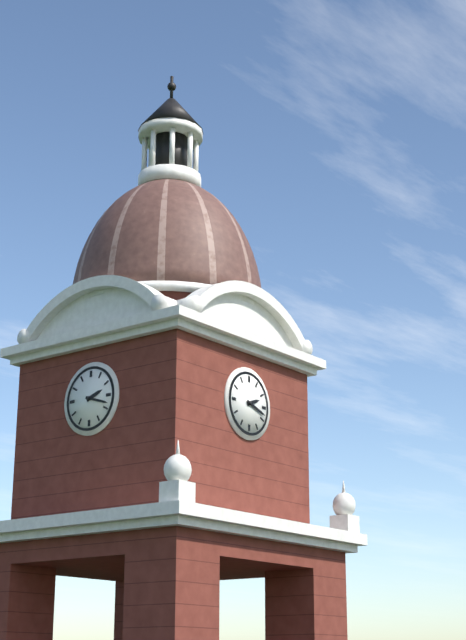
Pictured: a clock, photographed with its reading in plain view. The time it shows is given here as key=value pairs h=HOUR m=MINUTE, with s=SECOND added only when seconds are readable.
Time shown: h=2 m=18
